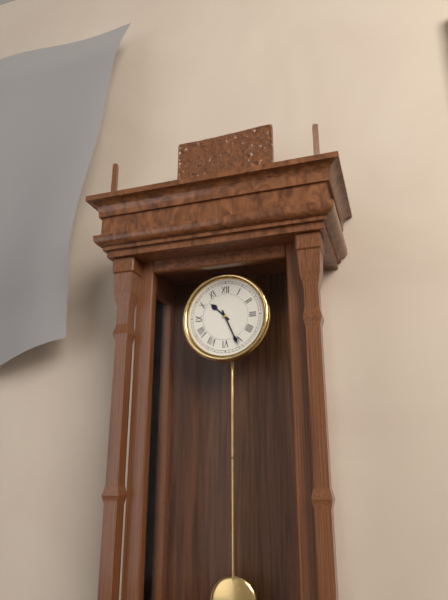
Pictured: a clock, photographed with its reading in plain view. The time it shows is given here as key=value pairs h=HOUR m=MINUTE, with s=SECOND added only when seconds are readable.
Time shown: h=10 m=26
